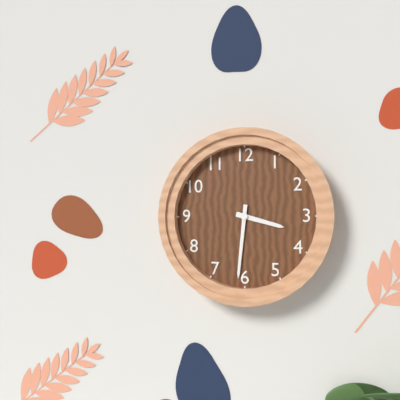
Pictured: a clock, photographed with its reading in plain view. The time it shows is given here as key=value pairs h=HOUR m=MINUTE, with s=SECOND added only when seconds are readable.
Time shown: h=3 m=31
